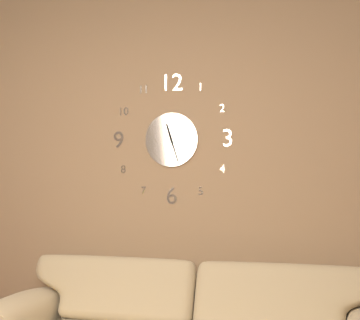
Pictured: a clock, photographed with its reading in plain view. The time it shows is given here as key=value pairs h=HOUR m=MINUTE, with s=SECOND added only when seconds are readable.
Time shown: h=11 m=27
